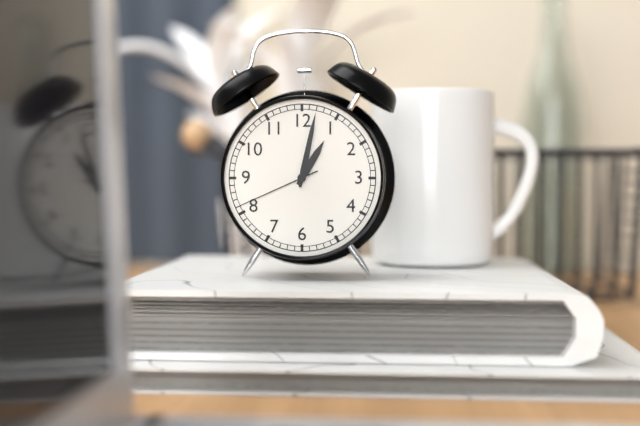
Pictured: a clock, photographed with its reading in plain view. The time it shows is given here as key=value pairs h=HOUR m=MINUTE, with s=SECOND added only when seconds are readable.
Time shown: h=1 m=2 s=41
